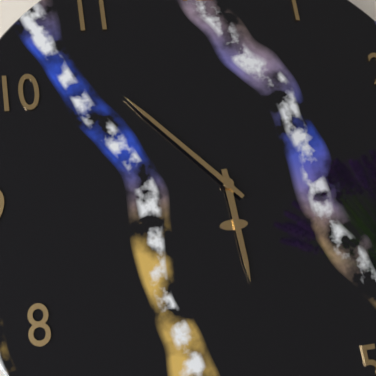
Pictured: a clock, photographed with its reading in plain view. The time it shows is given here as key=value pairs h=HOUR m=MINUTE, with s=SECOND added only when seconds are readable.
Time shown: h=5 m=53
